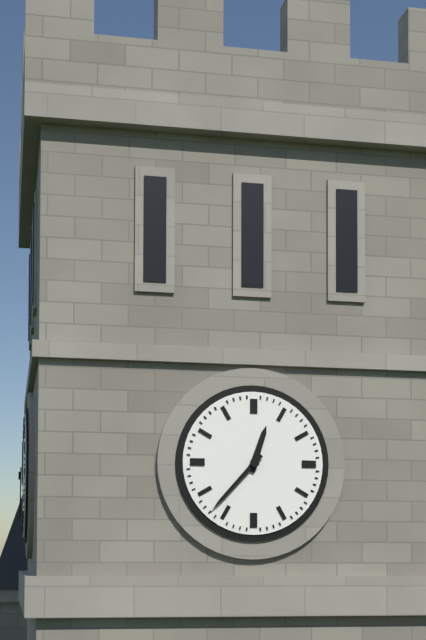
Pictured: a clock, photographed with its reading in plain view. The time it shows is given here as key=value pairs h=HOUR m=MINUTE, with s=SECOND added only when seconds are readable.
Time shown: h=12 m=37
